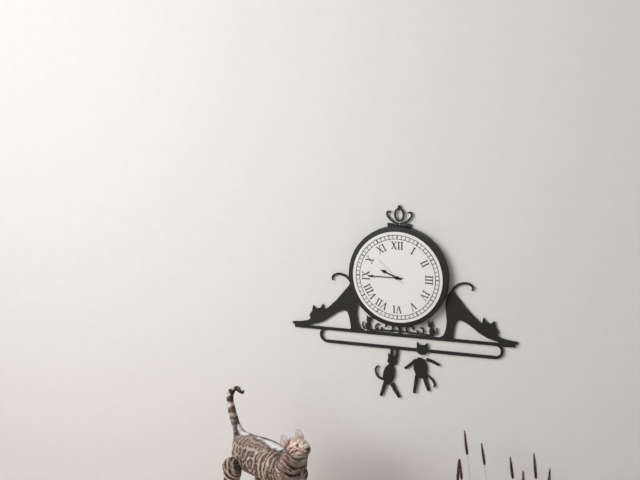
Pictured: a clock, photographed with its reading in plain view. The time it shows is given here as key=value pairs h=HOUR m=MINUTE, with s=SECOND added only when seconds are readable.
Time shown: h=9 m=45
